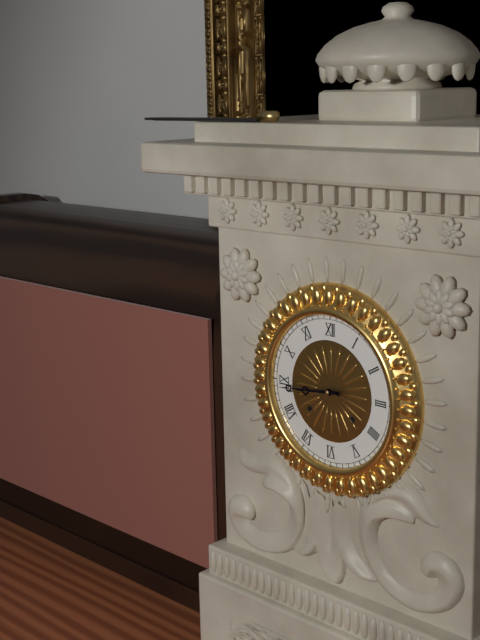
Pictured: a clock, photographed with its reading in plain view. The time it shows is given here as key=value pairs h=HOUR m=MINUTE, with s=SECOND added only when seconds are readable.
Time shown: h=8 m=44
